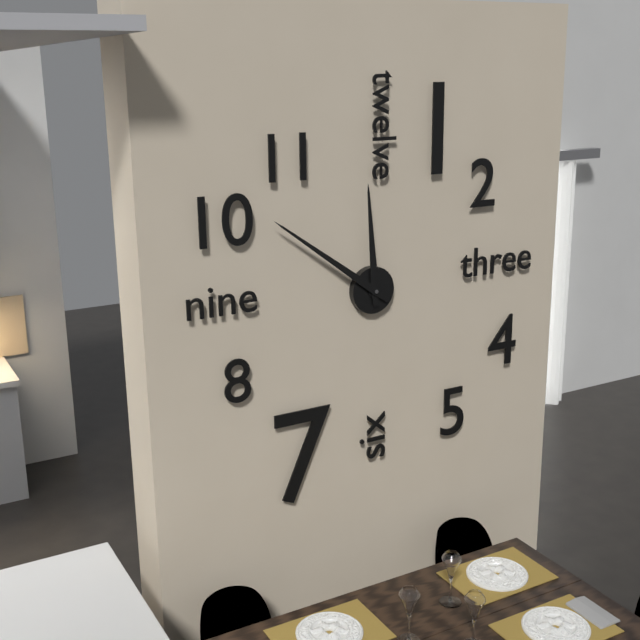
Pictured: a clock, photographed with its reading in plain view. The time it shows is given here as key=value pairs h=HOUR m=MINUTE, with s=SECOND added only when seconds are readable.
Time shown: h=11 m=51
